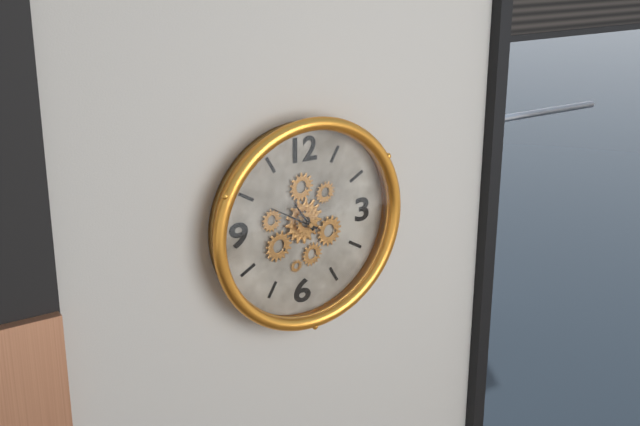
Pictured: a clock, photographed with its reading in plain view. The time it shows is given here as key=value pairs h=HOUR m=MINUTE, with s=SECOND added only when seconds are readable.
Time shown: h=10 m=50
